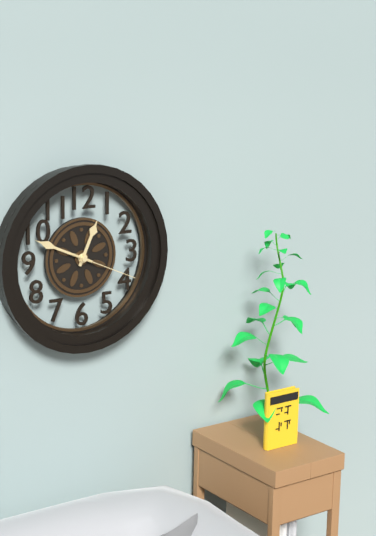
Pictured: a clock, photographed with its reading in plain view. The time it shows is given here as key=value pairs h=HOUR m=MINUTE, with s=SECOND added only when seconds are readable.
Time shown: h=12 m=49 s=19
